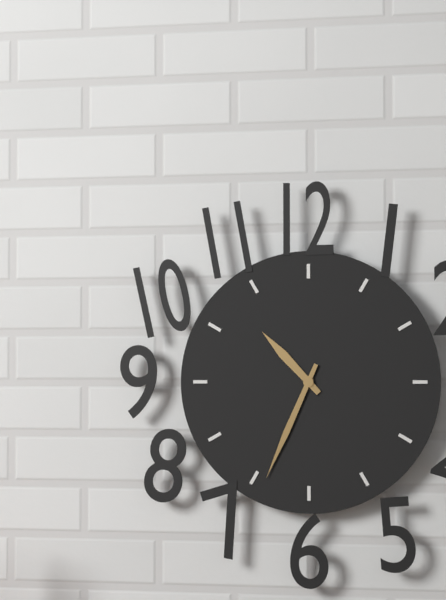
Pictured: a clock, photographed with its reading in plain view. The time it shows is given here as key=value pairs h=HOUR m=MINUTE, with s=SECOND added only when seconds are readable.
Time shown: h=10 m=34
